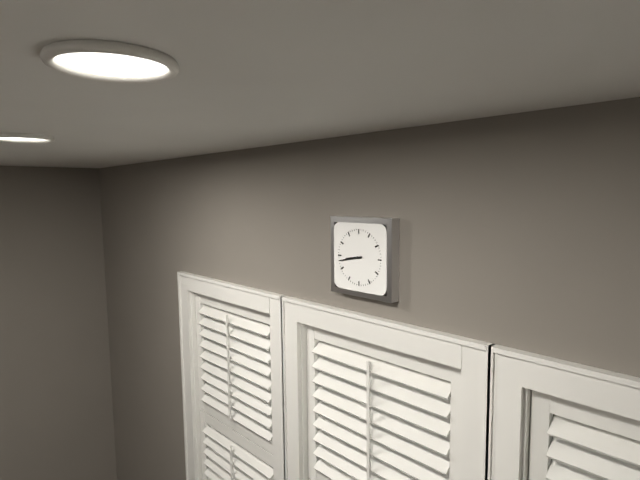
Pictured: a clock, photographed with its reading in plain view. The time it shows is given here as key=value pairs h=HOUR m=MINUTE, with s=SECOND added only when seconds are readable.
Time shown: h=8 m=43
